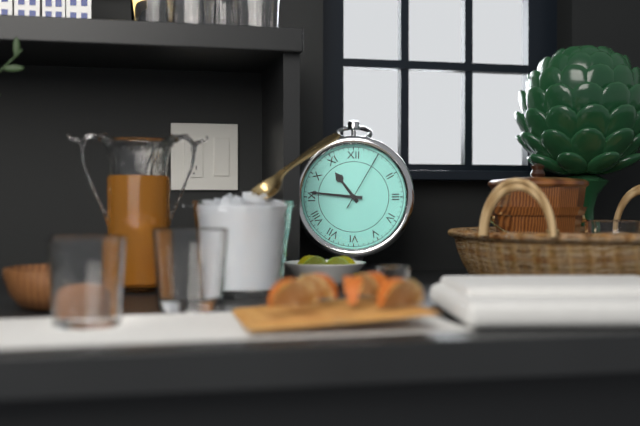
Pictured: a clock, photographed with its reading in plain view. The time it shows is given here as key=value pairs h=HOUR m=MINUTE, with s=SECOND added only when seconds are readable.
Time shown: h=10 m=46 s=5
